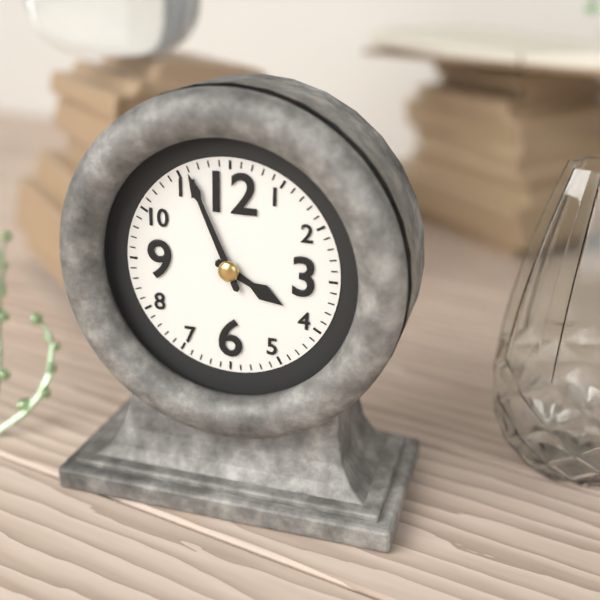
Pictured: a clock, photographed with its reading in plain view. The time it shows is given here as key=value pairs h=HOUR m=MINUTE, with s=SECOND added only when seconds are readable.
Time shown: h=3 m=56
